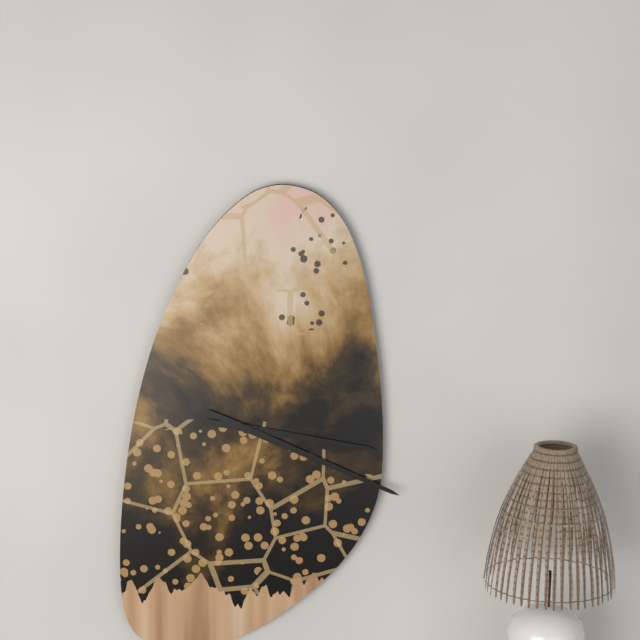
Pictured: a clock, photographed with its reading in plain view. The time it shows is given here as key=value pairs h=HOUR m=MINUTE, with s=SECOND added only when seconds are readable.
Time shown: h=3 m=19
